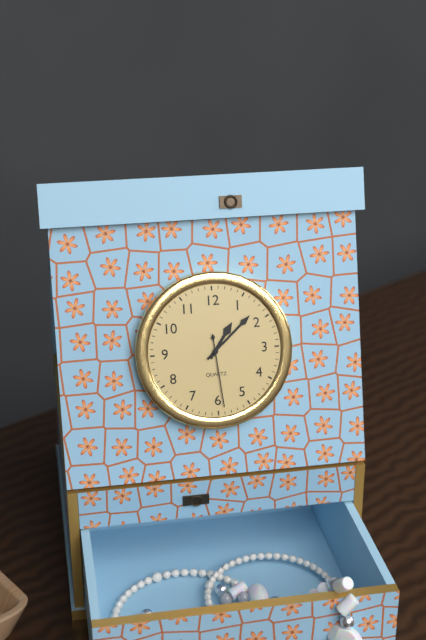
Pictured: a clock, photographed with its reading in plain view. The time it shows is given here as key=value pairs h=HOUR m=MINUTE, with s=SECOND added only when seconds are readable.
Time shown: h=1 m=8 s=29
